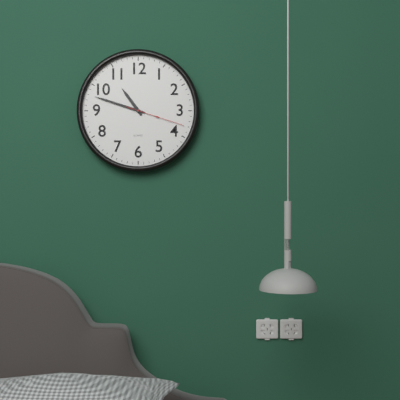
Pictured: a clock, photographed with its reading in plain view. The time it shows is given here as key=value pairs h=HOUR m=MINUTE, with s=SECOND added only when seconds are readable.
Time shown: h=10 m=48 s=18
